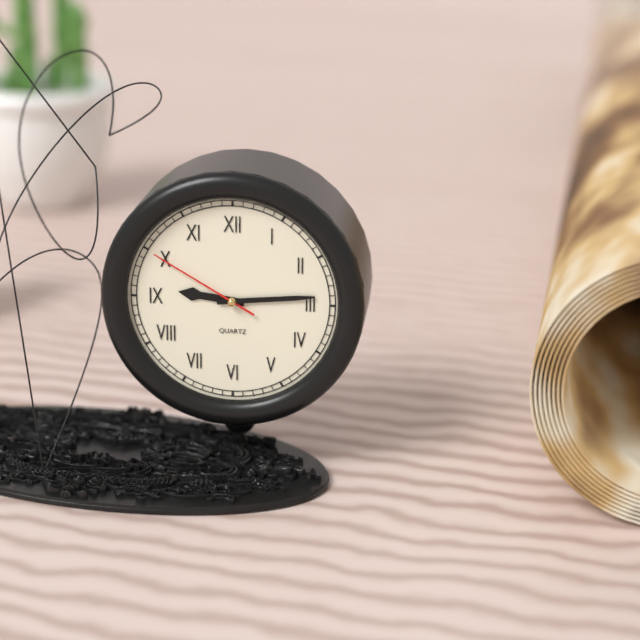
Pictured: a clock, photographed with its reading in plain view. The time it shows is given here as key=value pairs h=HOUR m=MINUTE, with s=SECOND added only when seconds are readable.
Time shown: h=9 m=14 s=50
